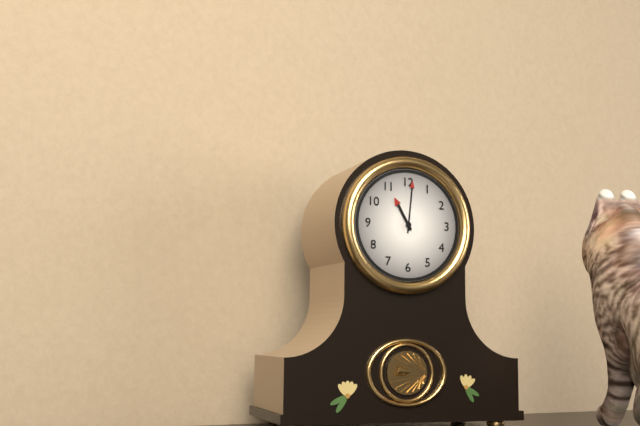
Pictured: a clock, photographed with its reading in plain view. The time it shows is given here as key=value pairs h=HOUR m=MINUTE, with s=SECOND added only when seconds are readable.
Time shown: h=11 m=1
